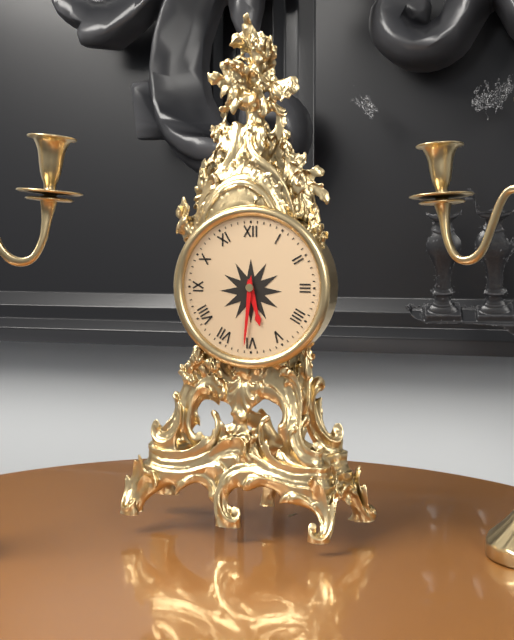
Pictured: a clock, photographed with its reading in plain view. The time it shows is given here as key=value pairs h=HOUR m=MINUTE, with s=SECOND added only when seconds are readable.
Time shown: h=5 m=31
